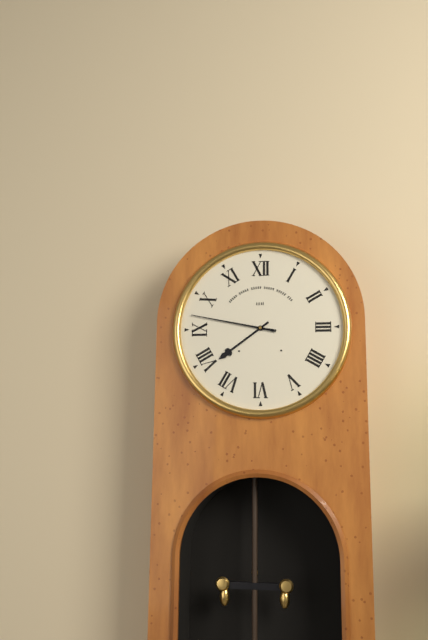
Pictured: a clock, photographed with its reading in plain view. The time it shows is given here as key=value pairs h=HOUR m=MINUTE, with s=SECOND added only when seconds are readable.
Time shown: h=7 m=47
